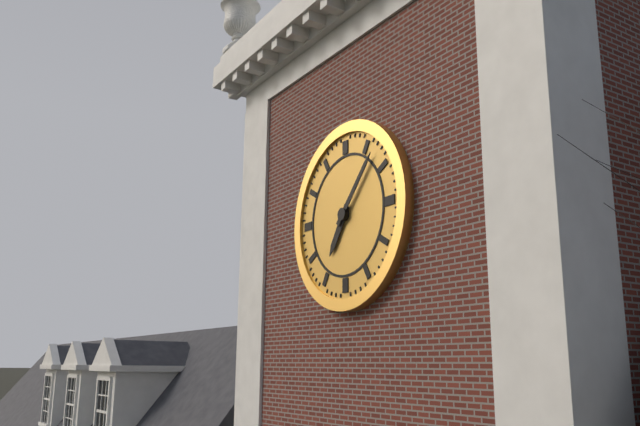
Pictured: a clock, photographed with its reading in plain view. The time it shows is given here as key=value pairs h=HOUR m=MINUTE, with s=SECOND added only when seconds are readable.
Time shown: h=7 m=7
